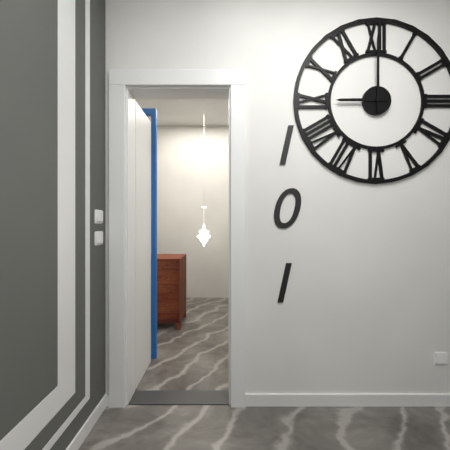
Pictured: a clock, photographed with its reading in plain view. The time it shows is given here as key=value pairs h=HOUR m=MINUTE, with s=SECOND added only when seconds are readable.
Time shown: h=9 m=0
